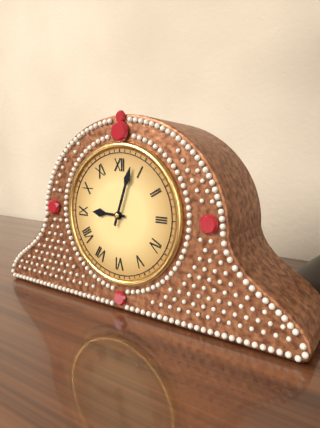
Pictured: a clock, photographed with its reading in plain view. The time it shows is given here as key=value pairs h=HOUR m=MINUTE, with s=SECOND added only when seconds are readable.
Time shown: h=9 m=3
